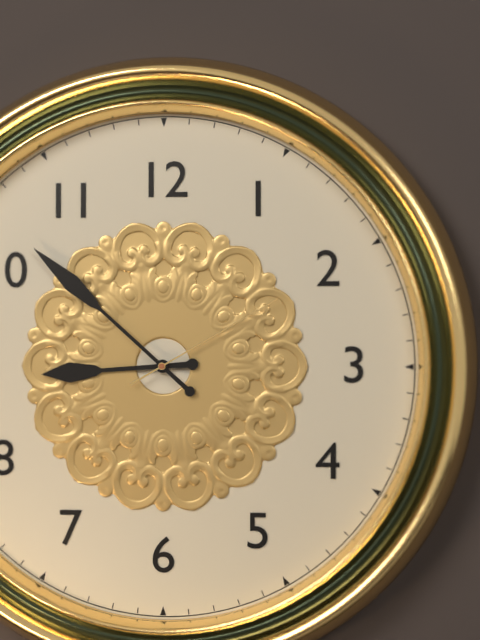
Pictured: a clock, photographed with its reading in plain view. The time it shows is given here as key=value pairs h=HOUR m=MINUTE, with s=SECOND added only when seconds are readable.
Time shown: h=8 m=52 s=10
